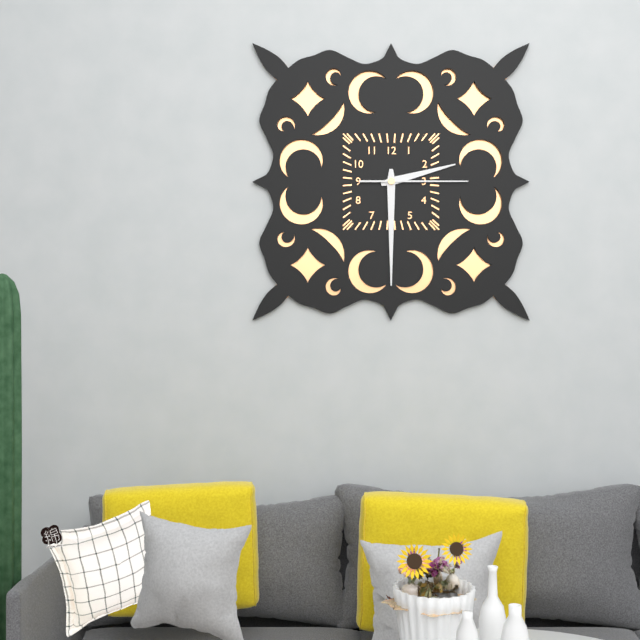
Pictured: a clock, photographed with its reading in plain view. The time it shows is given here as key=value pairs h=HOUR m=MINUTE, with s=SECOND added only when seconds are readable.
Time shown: h=2 m=30 s=15
